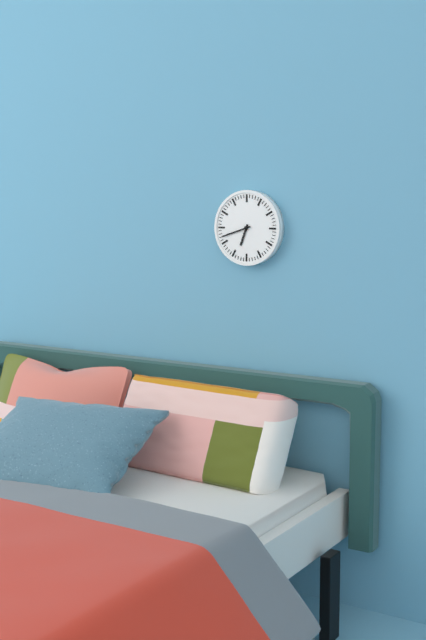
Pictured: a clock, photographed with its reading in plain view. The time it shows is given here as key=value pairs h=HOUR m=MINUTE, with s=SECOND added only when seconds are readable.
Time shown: h=6 m=42
